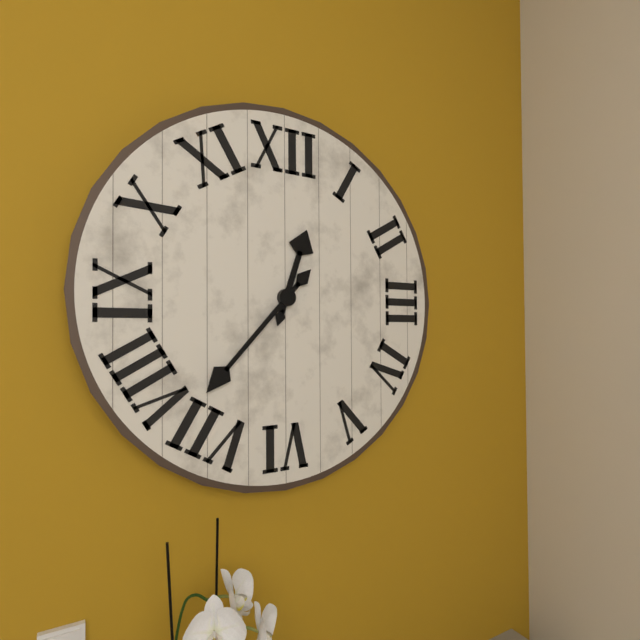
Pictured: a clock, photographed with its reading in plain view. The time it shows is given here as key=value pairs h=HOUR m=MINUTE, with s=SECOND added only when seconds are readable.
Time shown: h=12 m=37
